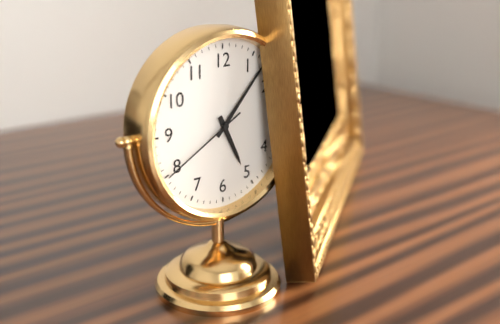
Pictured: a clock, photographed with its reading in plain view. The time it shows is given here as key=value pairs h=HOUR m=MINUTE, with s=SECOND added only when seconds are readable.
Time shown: h=5 m=7 s=40
